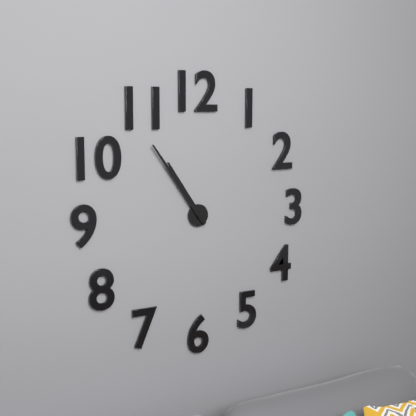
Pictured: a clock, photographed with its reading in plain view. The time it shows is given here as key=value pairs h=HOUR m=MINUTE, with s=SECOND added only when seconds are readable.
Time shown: h=10 m=54
